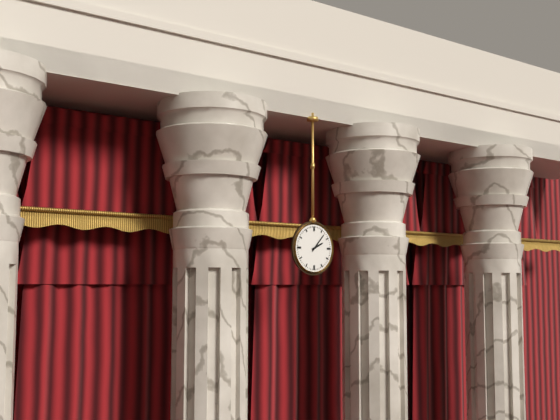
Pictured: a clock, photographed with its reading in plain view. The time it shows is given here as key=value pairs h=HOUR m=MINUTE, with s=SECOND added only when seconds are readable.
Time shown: h=2 m=7
